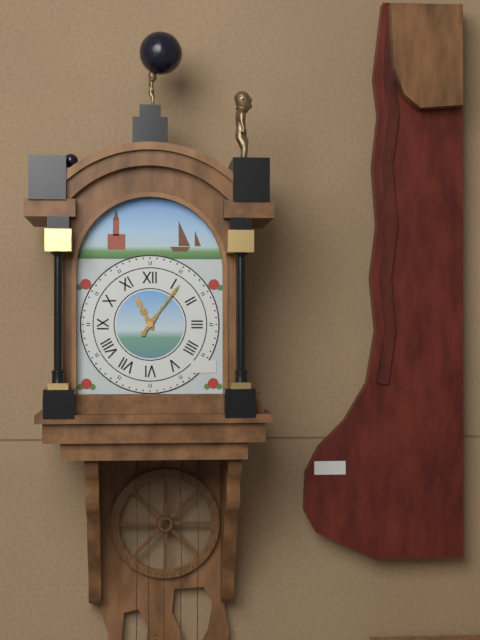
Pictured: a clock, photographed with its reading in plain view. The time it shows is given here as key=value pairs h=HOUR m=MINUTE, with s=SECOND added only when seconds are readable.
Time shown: h=11 m=6
